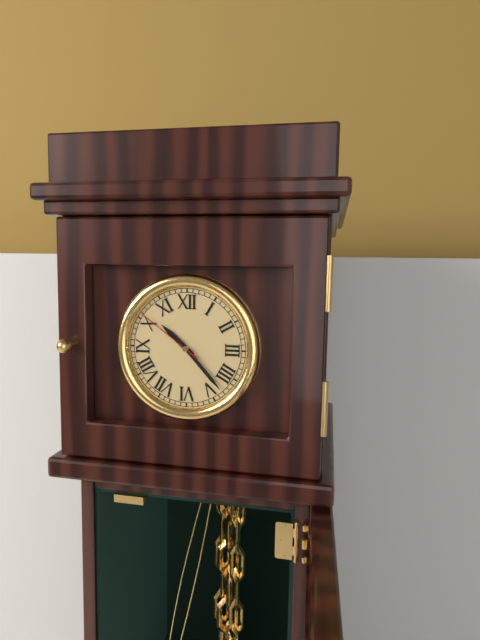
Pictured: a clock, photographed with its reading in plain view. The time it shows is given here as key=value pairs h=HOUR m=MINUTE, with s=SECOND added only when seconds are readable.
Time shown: h=10 m=23 s=51
